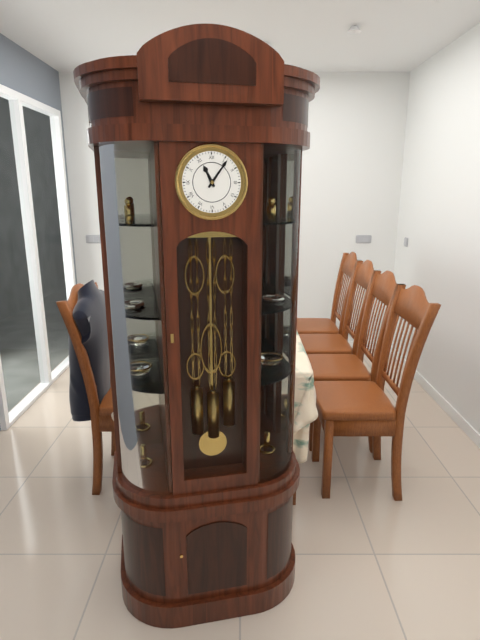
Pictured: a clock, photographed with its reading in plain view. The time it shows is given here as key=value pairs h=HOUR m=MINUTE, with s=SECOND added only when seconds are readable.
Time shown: h=11 m=6
